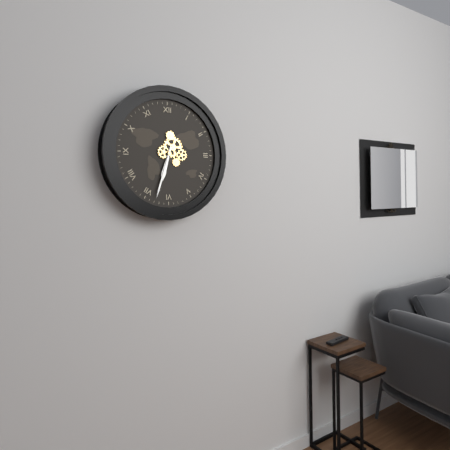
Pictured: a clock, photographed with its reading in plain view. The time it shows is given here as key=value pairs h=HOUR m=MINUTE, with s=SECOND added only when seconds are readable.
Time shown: h=6 m=33
